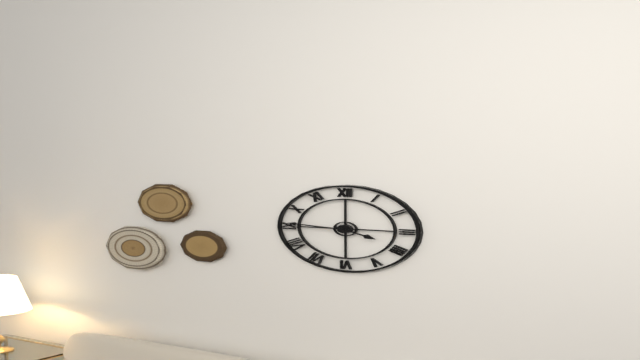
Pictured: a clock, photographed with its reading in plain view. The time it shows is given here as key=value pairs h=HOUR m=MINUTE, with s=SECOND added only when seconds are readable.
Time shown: h=3 m=46
